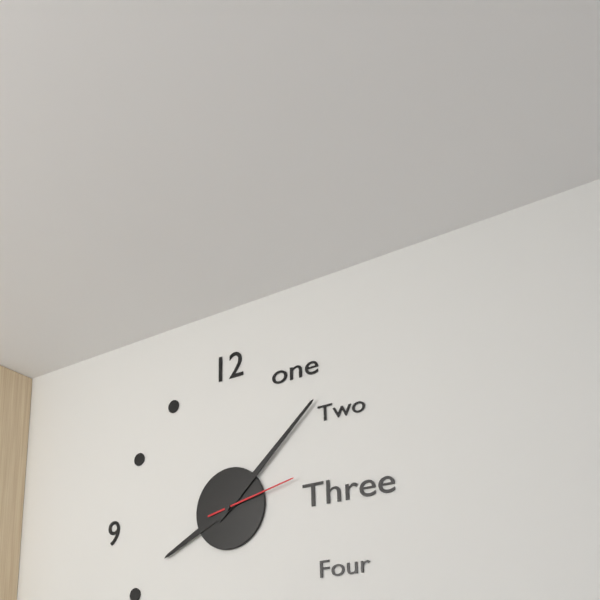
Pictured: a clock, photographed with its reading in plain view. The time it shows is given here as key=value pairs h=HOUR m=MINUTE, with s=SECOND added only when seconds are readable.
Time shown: h=8 m=8 s=13
